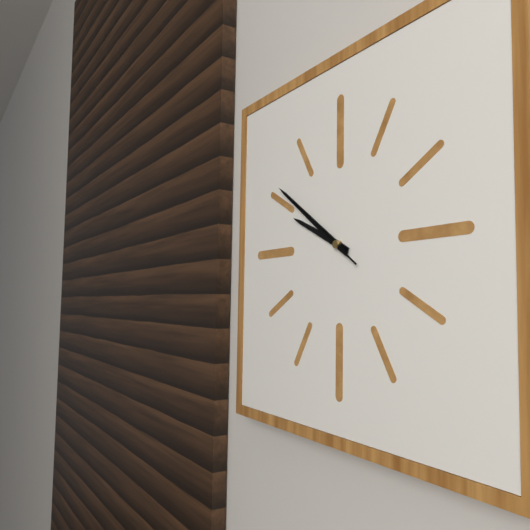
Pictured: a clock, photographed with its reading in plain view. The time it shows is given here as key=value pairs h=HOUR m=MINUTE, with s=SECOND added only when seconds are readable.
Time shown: h=9 m=51 s=51
